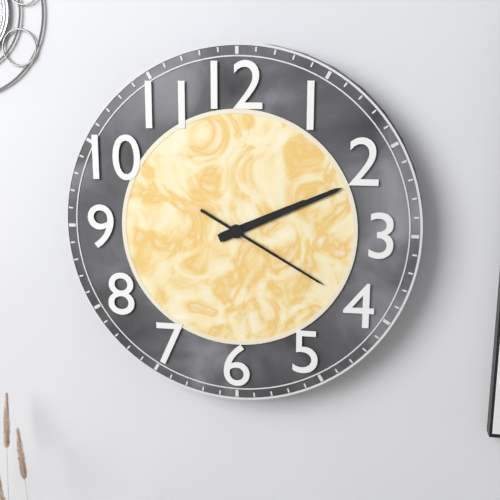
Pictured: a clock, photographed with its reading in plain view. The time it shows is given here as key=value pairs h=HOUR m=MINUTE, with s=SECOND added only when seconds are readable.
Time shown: h=2 m=11 s=20
